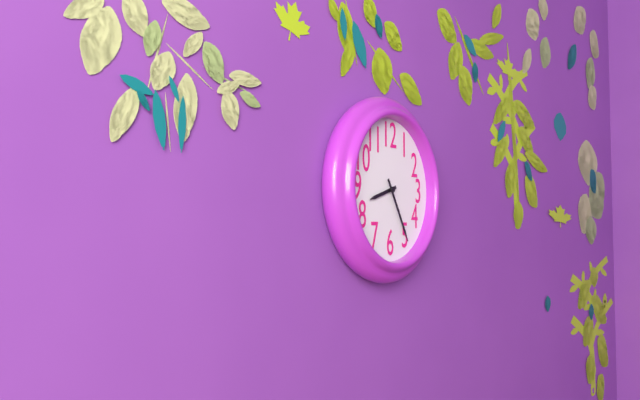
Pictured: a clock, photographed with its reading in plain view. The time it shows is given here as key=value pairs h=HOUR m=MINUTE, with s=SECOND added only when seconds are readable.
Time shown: h=8 m=25
